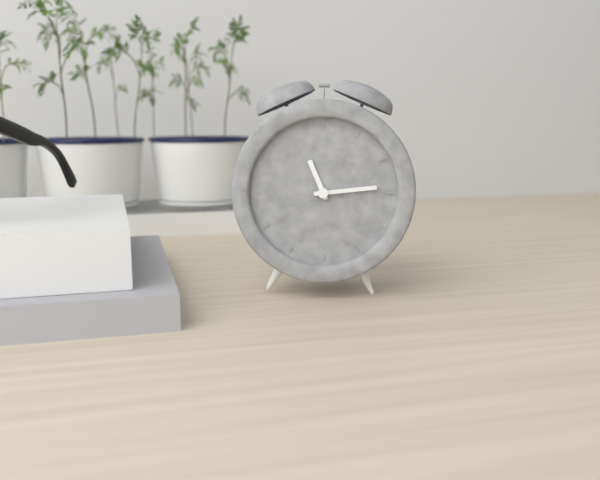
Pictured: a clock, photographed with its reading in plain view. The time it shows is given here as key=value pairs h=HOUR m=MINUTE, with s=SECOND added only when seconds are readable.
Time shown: h=11 m=14
